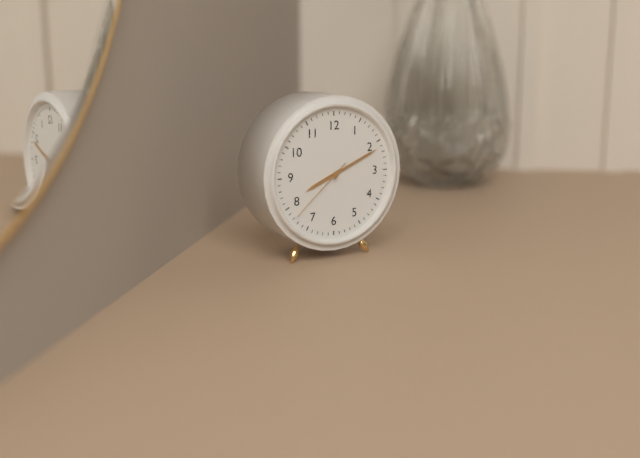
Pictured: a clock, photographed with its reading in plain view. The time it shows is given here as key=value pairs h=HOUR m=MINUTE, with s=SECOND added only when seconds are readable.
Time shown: h=8 m=11 s=38
